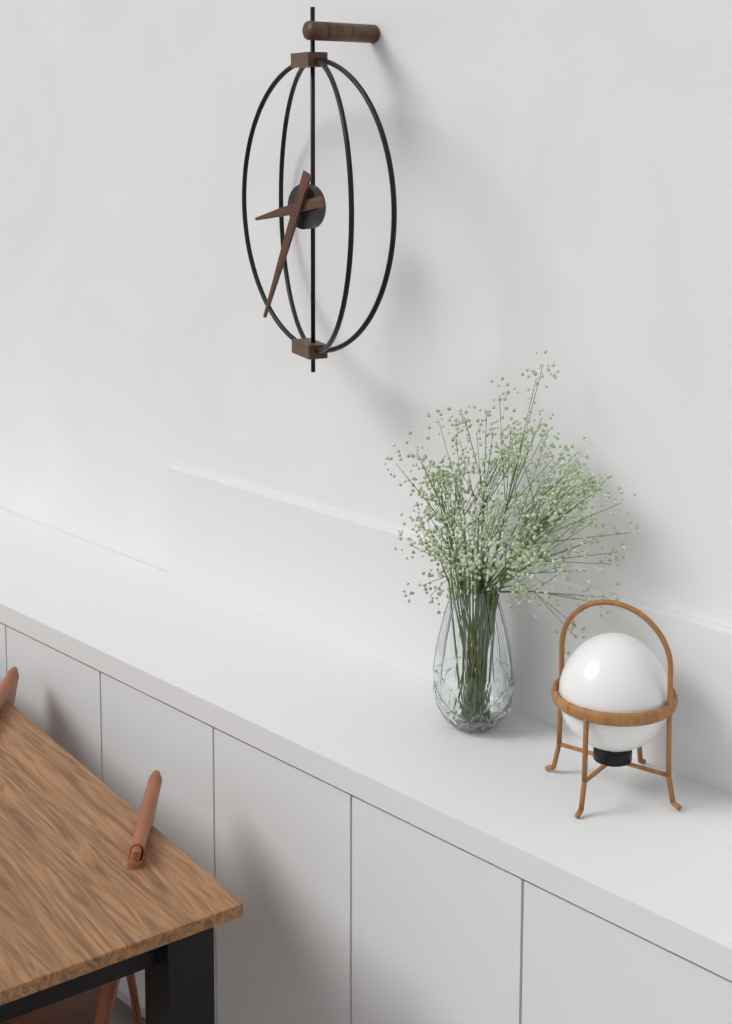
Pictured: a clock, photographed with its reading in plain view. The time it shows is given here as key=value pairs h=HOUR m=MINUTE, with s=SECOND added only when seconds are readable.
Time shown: h=8 m=34
